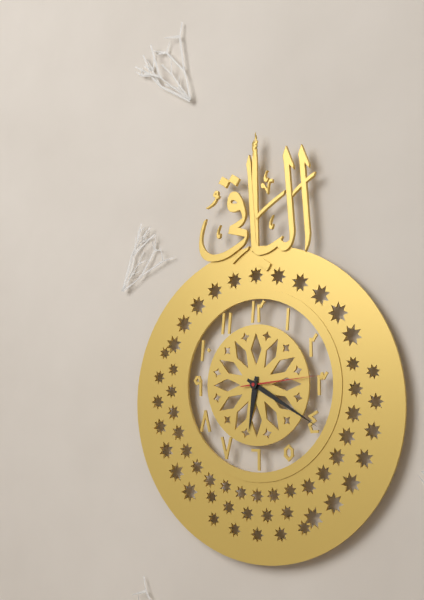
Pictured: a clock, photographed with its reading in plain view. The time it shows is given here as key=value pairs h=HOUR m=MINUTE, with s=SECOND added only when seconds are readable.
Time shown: h=6 m=20 s=14
